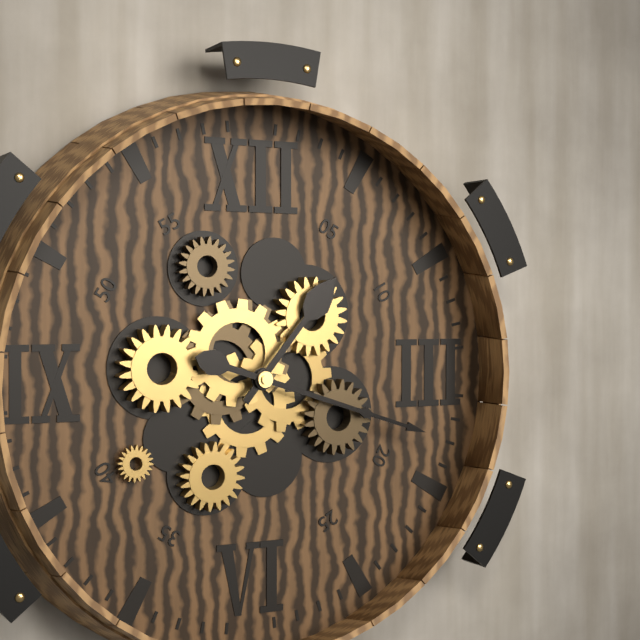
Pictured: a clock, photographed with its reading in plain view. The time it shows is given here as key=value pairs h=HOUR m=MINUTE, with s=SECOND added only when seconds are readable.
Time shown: h=1 m=18
